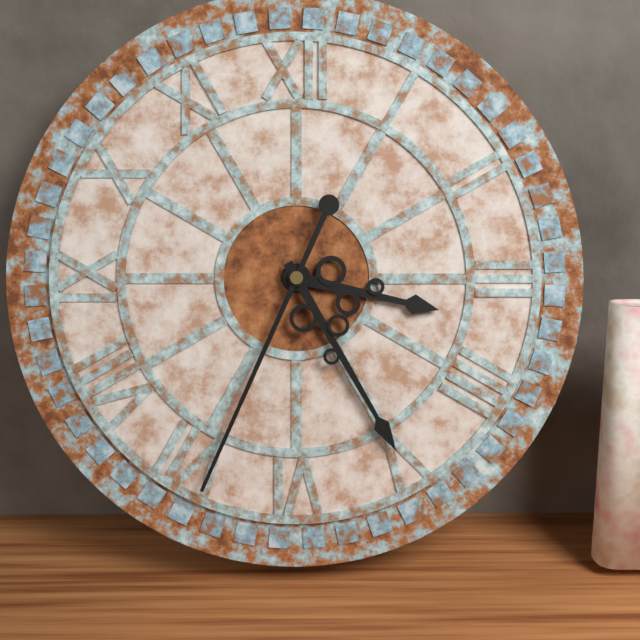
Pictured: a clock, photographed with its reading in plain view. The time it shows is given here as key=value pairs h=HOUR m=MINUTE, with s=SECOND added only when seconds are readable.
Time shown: h=3 m=25 s=34
